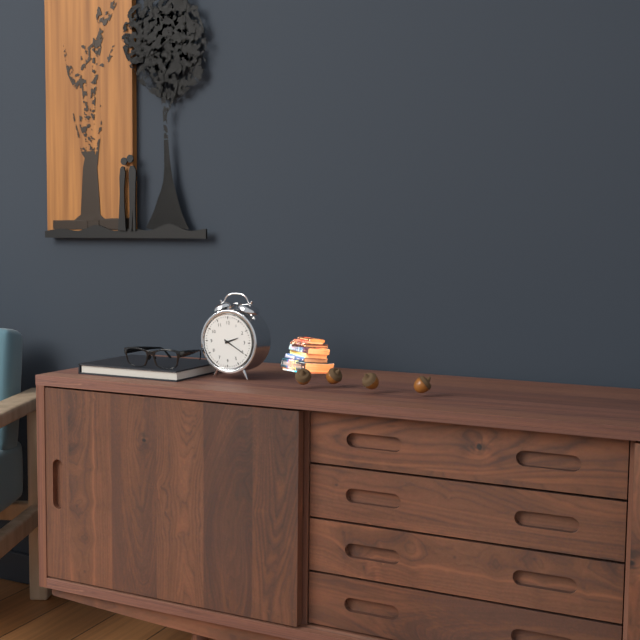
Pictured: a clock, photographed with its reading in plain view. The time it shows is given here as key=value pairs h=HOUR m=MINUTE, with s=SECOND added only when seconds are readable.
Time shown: h=2 m=20
